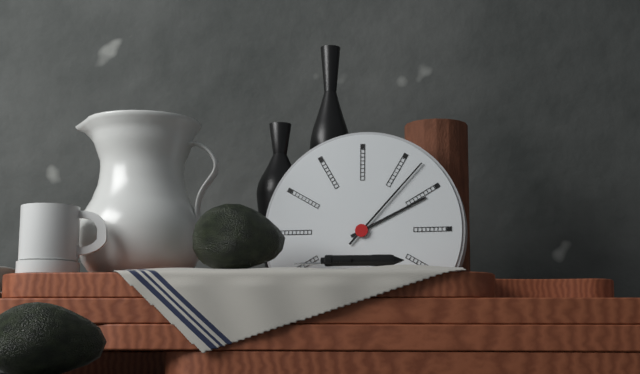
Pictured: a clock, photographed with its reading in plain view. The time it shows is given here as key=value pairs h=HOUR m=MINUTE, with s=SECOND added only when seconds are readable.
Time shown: h=2 m=7
